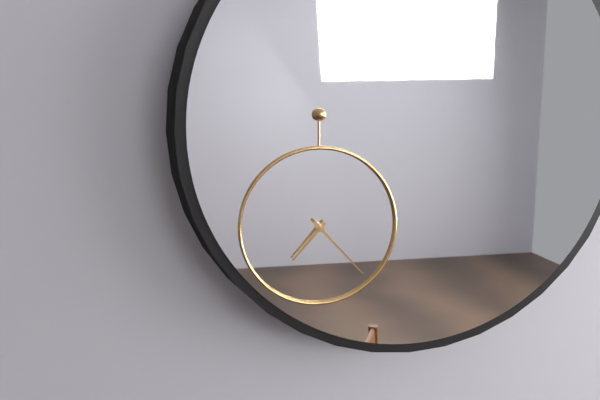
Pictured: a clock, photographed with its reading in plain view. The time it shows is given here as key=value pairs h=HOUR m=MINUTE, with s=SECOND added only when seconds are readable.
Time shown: h=7 m=23
